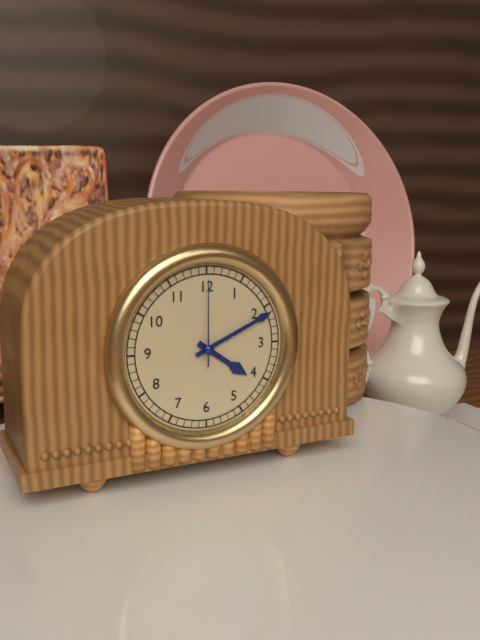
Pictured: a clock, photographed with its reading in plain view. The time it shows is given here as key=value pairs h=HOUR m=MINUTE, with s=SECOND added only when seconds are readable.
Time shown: h=4 m=11 s=0
